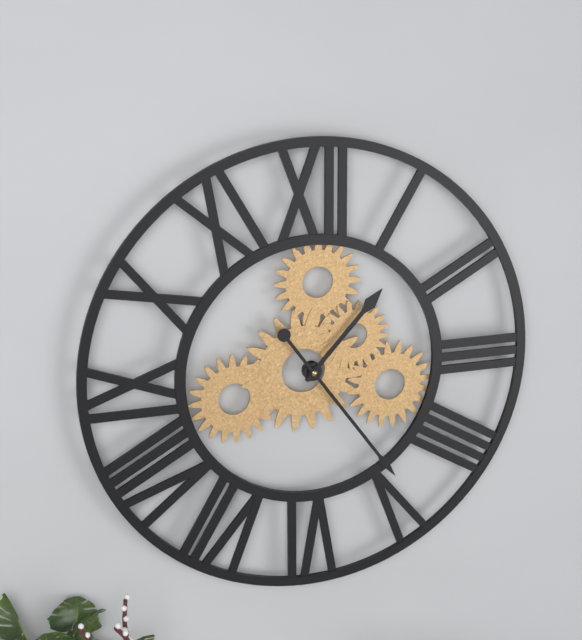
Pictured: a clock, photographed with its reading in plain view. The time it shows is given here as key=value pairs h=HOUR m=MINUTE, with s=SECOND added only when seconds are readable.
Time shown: h=1 m=24
